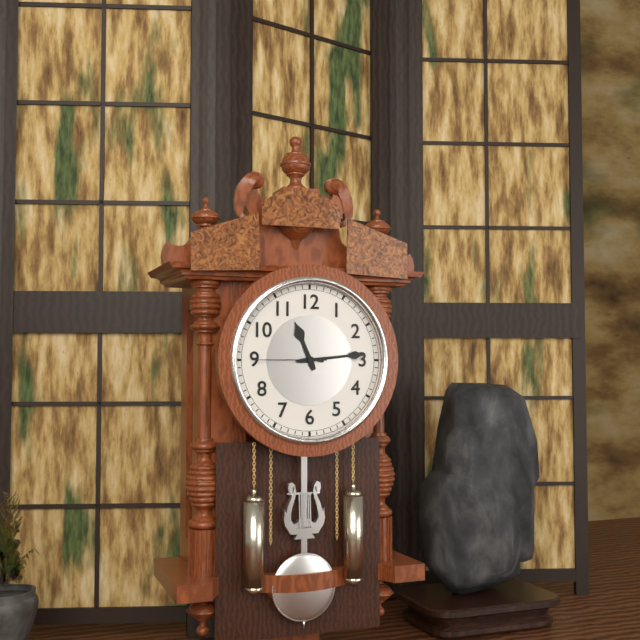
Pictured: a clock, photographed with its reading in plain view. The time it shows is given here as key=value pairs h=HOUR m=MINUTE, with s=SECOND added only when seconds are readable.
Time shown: h=11 m=14 s=45
